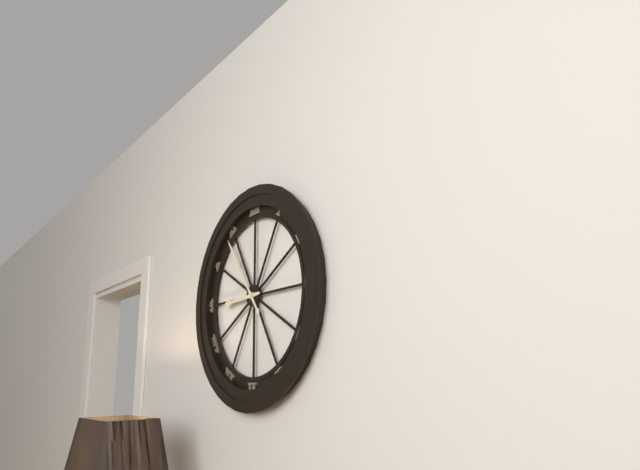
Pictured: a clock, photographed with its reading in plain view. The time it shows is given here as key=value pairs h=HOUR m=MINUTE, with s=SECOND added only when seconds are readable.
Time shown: h=8 m=54
